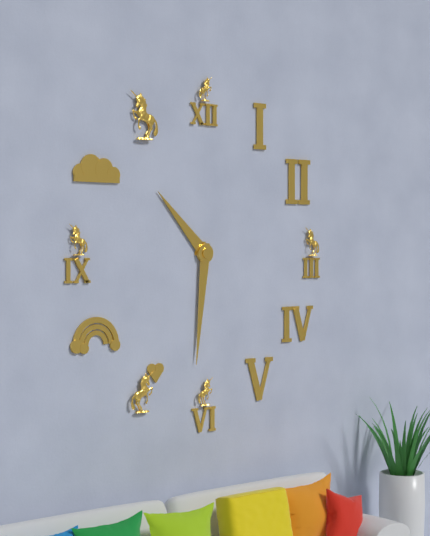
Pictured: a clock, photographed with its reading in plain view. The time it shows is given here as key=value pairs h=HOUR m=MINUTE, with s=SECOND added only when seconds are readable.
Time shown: h=10 m=31
